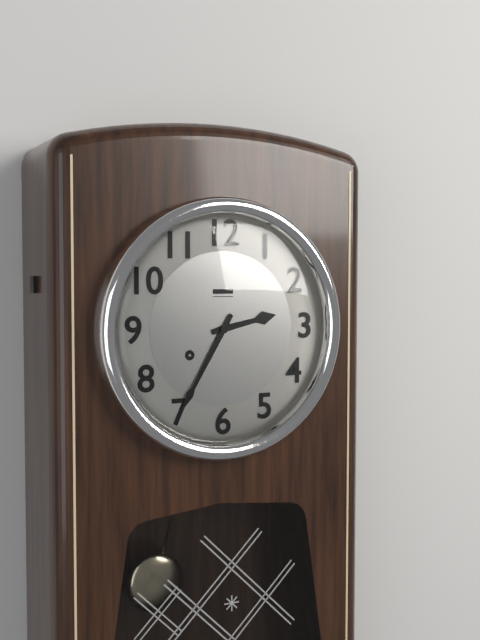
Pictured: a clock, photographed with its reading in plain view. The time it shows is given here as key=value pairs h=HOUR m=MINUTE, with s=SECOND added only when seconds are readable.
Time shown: h=2 m=35
